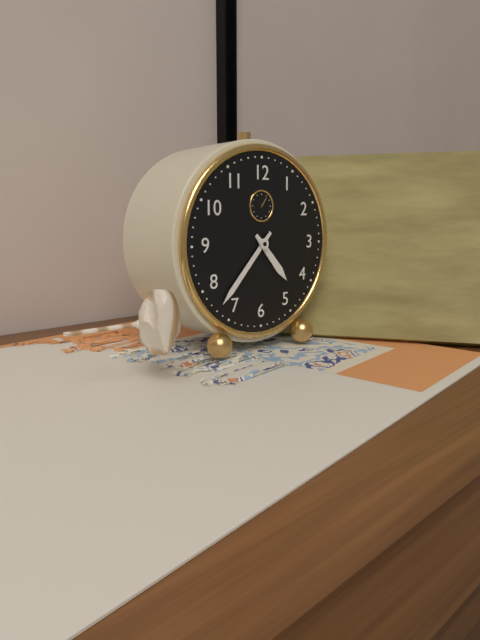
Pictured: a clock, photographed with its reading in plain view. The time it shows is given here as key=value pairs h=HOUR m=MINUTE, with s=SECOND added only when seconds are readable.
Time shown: h=4 m=37
